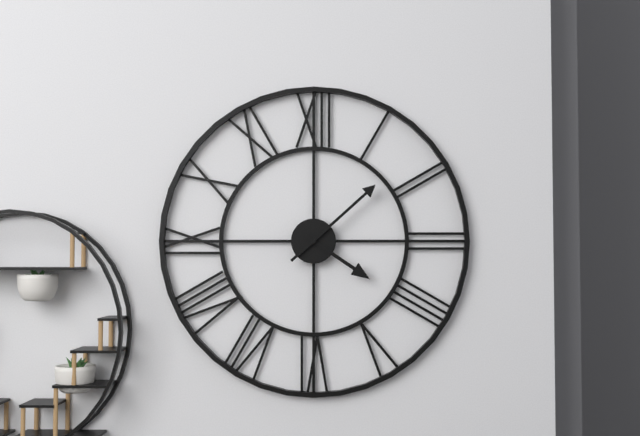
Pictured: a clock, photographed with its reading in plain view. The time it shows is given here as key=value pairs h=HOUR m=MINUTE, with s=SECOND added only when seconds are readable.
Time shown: h=4 m=8
